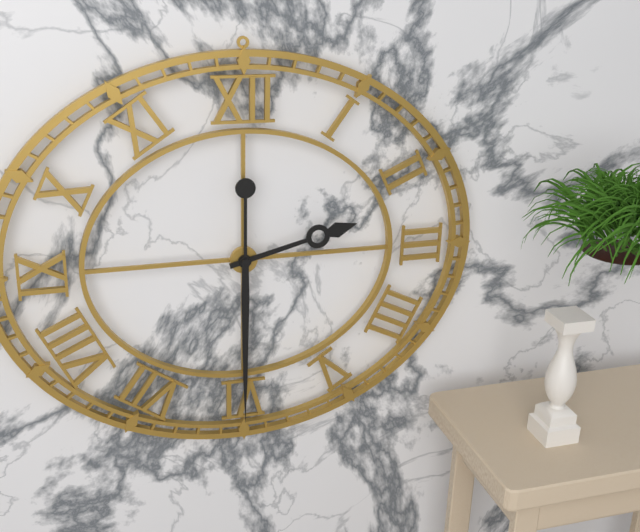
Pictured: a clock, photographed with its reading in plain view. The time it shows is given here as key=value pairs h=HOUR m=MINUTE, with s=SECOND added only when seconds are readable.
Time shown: h=2 m=30
